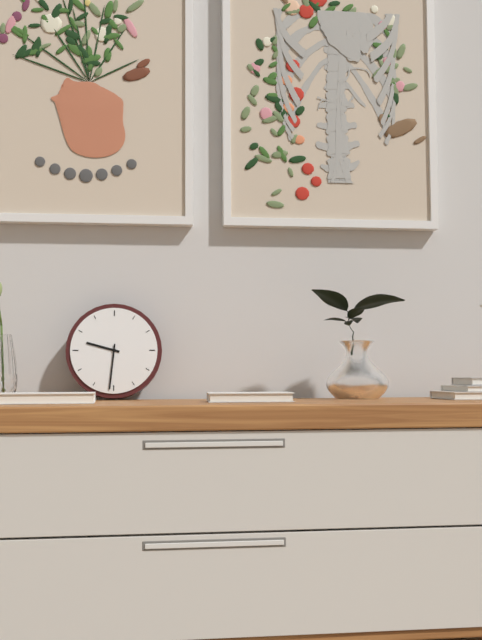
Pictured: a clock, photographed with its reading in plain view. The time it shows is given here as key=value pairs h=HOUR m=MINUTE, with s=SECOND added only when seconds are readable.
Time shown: h=9 m=31
